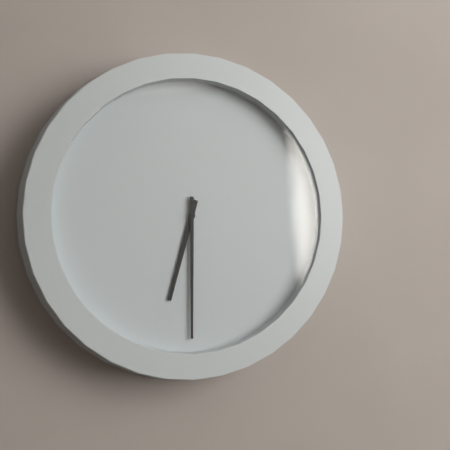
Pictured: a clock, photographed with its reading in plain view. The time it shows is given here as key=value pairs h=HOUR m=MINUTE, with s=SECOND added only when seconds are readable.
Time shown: h=6 m=30
